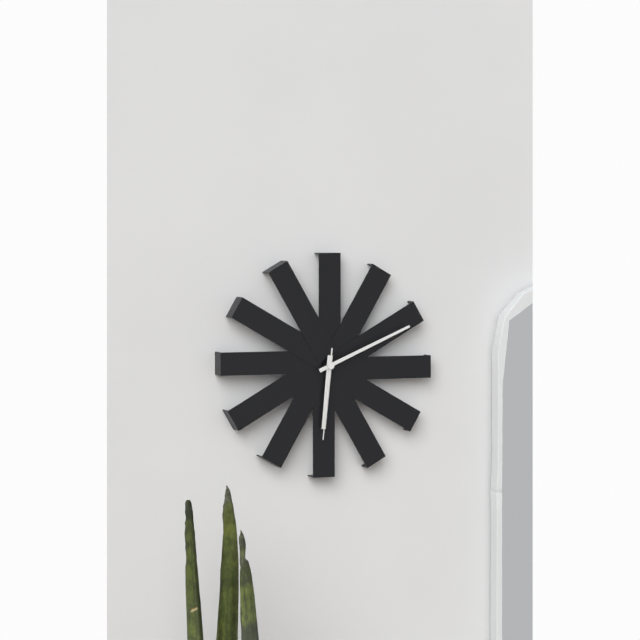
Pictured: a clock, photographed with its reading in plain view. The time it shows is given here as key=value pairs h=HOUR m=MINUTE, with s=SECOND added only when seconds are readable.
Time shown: h=6 m=11 s=31
